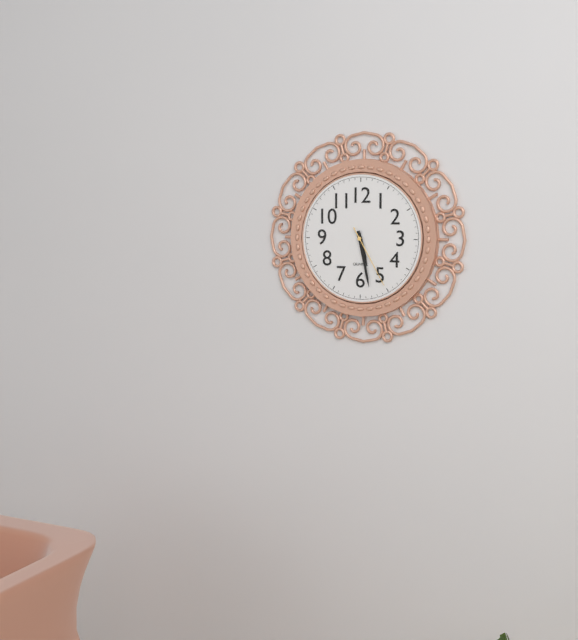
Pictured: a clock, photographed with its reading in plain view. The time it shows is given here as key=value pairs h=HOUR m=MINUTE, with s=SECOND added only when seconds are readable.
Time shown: h=5 m=28 s=25
